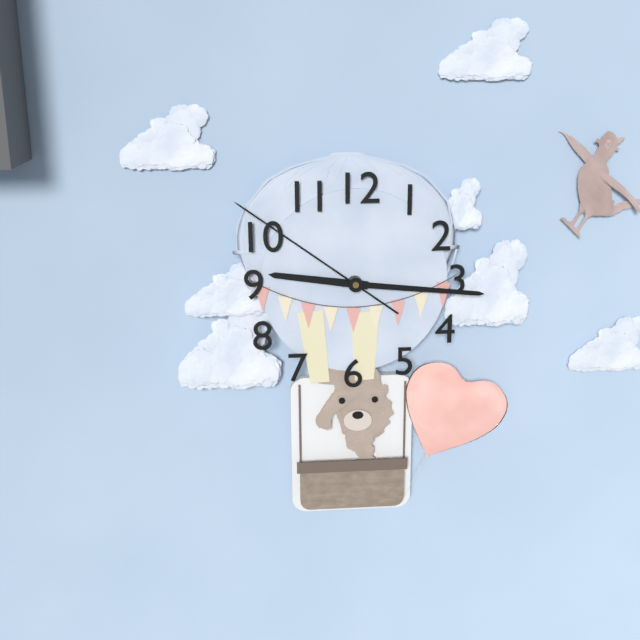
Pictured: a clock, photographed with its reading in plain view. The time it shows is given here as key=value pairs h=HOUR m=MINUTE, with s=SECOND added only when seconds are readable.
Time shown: h=9 m=16 s=51
